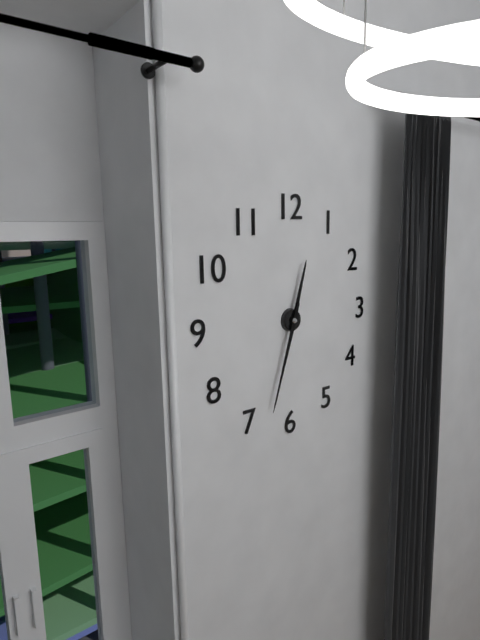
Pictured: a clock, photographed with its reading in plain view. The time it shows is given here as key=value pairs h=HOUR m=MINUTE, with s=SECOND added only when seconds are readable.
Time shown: h=12 m=33
